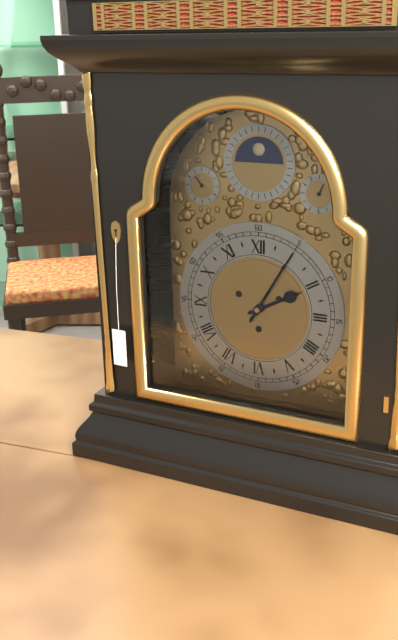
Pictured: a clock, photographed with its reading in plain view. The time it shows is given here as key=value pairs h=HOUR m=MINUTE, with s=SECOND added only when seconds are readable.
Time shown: h=2 m=5
